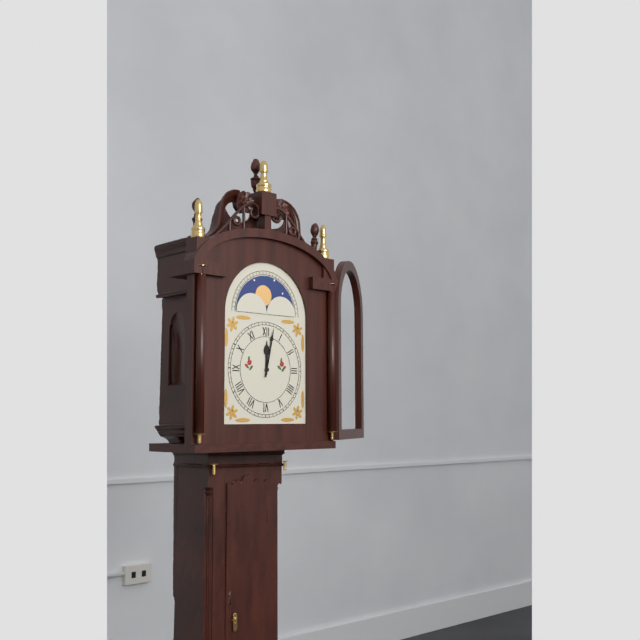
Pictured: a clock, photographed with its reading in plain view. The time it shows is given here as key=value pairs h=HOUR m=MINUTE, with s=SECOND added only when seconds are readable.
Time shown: h=12 m=2
